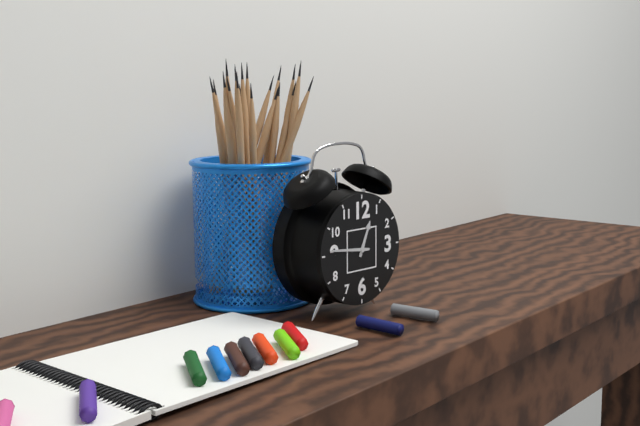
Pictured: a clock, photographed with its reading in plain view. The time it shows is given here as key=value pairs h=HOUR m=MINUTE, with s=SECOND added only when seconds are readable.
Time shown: h=12 m=46
